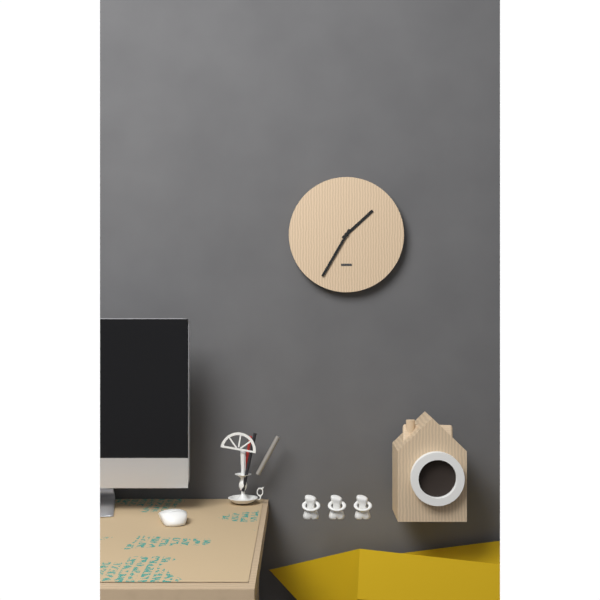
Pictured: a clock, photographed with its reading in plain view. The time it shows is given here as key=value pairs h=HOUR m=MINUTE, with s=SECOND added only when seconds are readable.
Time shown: h=1 m=35
